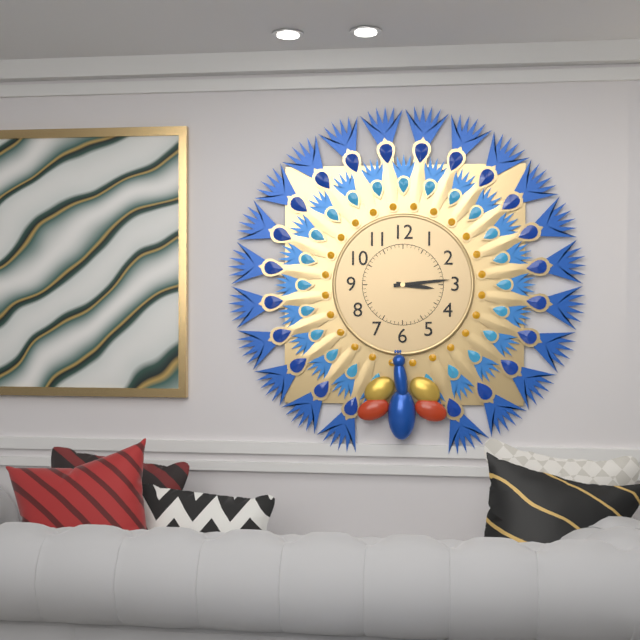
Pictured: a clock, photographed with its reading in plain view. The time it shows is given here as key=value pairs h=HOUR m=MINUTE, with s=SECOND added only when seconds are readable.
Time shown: h=3 m=14
